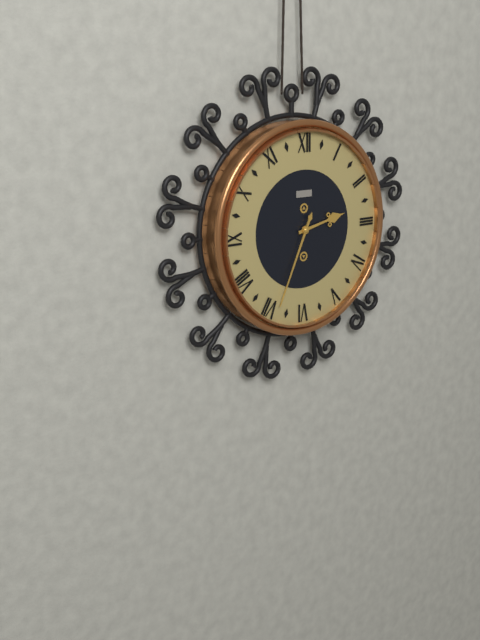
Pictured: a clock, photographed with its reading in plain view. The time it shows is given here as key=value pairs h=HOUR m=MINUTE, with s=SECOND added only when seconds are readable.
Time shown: h=2 m=34
